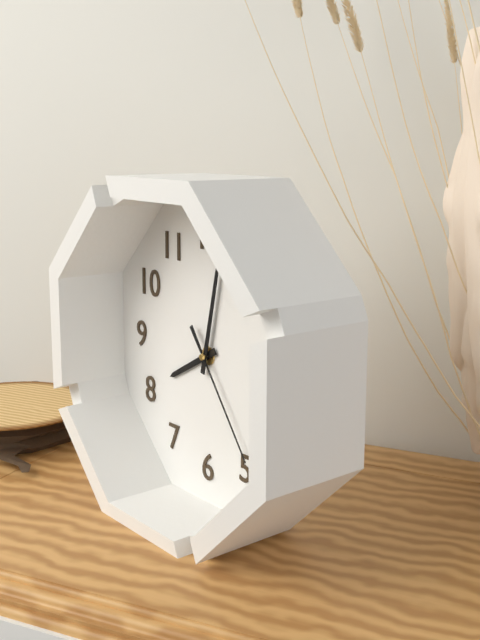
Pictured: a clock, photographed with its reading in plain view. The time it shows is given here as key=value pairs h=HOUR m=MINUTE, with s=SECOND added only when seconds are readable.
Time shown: h=8 m=2 s=24
